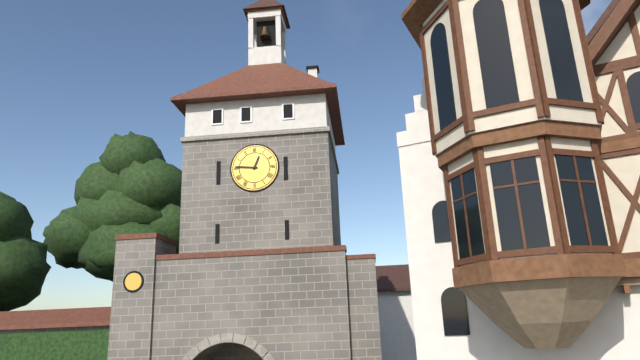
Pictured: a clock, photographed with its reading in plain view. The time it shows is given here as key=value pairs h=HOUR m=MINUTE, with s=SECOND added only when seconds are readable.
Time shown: h=12 m=46
